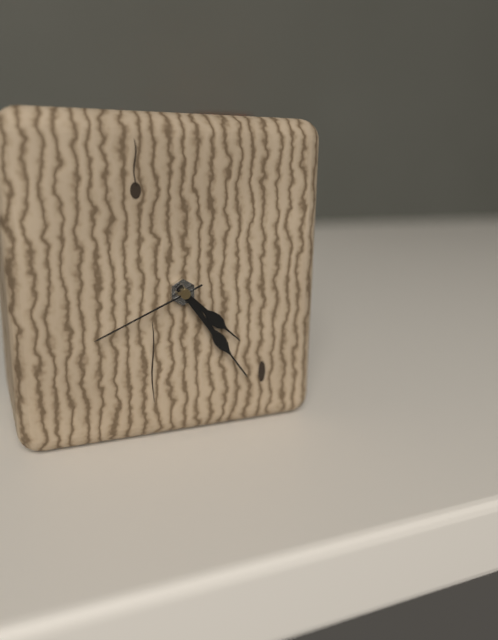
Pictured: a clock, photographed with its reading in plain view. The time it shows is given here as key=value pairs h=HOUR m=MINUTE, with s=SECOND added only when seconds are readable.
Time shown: h=4 m=24 s=41
